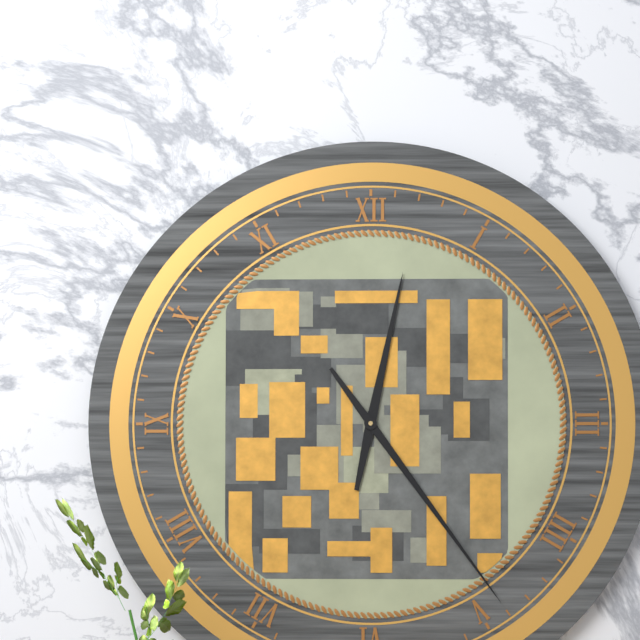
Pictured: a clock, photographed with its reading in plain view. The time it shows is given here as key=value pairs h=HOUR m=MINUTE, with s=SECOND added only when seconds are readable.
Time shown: h=12 m=24
